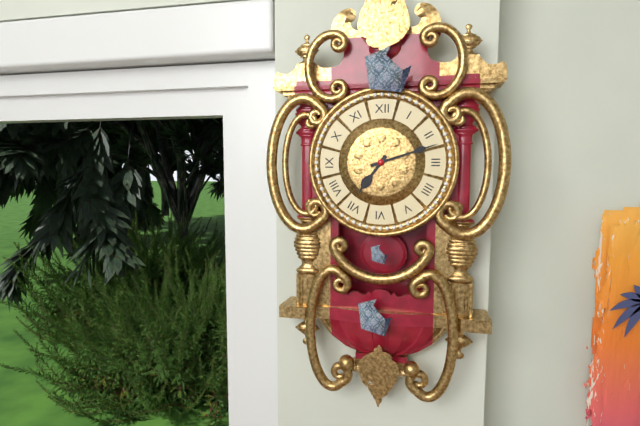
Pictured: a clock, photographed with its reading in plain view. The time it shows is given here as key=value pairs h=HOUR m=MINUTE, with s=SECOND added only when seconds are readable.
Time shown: h=7 m=12
